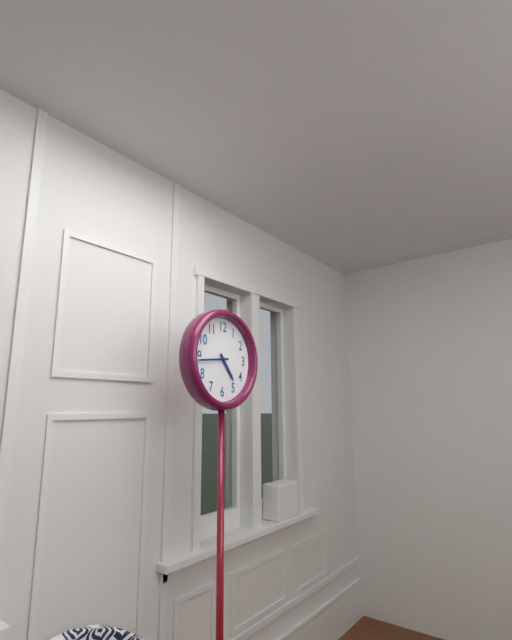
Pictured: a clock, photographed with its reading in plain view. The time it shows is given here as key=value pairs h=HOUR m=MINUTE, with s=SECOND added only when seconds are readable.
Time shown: h=4 m=44
